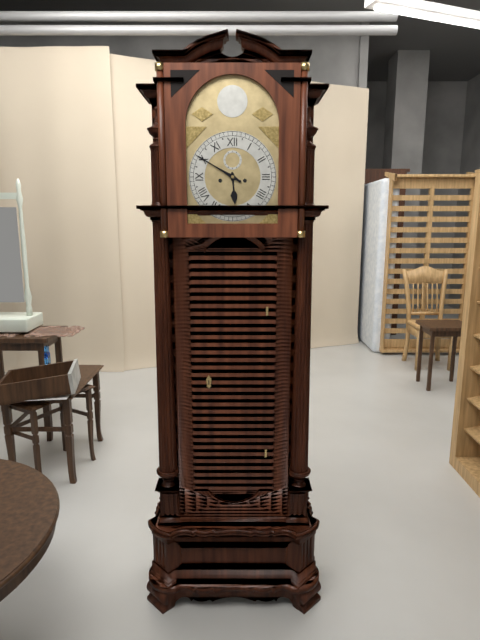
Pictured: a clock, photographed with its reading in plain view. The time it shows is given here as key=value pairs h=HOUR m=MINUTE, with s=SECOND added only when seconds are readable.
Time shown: h=5 m=50
